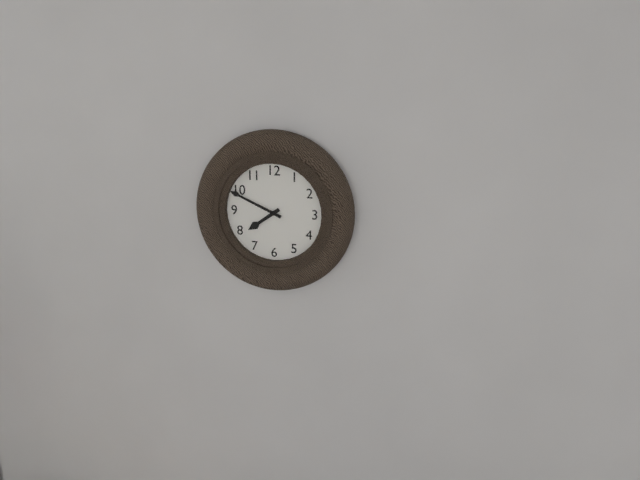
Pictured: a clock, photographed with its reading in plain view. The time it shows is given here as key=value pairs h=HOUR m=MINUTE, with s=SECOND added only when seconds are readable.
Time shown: h=7 m=49
